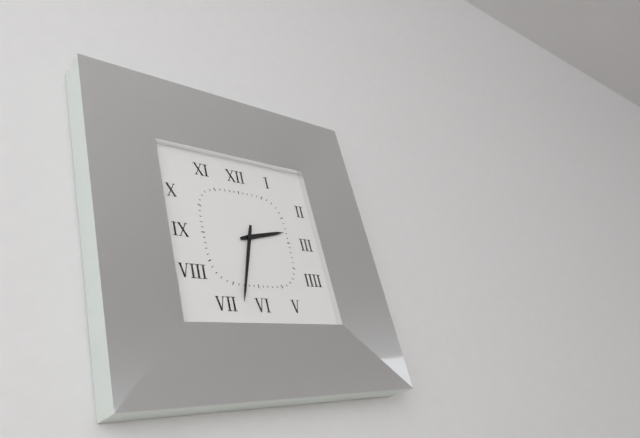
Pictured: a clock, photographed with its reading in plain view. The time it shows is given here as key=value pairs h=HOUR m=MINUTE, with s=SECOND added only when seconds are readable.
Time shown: h=2 m=33
